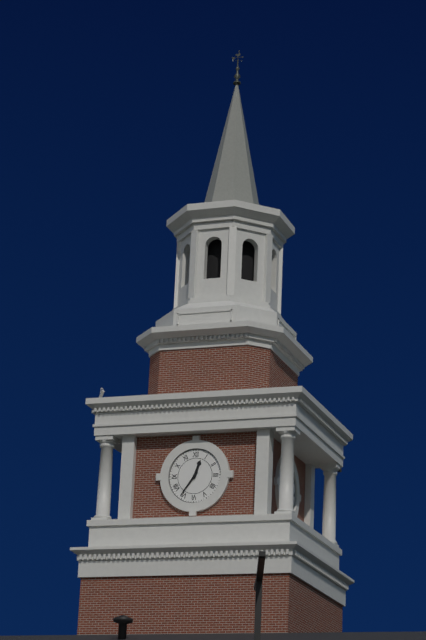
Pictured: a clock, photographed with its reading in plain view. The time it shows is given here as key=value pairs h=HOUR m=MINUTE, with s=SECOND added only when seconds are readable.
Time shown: h=12 m=36
